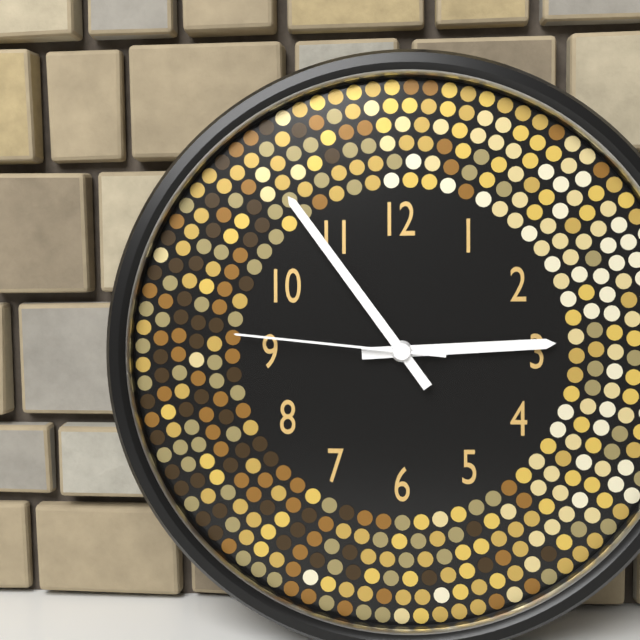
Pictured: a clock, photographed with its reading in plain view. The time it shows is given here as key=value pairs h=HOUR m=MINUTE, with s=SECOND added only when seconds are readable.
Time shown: h=2 m=54 s=46
